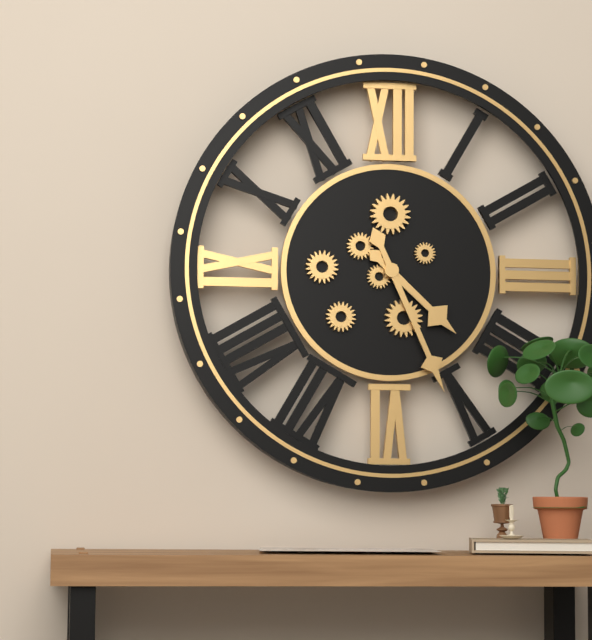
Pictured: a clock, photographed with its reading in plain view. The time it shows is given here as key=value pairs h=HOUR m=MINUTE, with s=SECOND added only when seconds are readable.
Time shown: h=4 m=26
